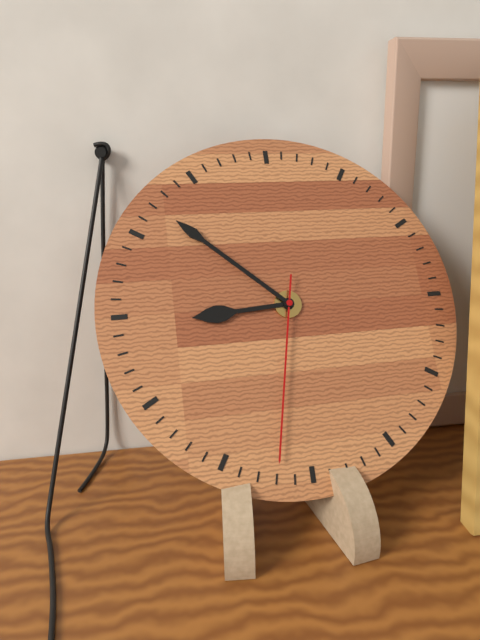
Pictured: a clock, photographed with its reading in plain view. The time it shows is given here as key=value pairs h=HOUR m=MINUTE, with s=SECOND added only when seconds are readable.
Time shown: h=8 m=52 s=32
